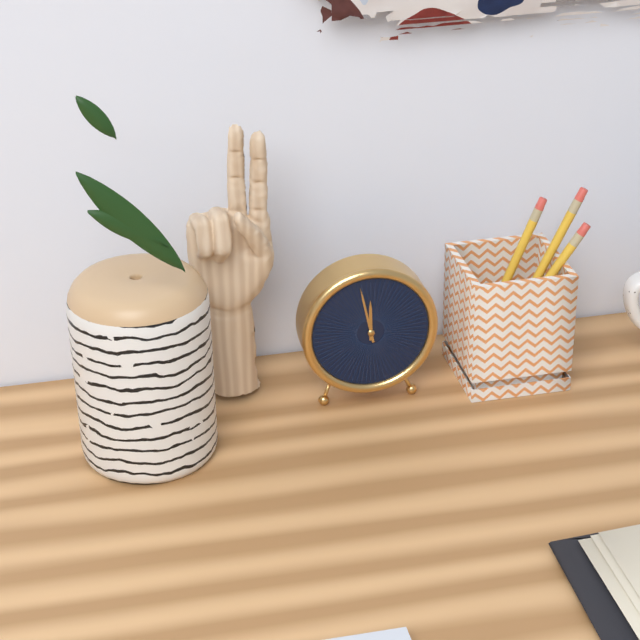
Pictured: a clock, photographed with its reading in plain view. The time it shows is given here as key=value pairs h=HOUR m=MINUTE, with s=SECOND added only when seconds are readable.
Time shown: h=11 m=58
